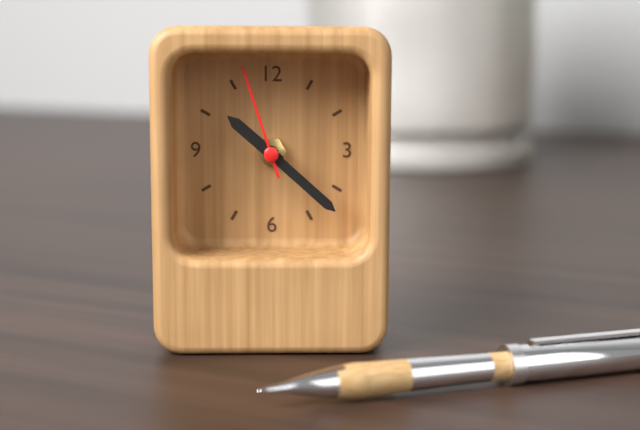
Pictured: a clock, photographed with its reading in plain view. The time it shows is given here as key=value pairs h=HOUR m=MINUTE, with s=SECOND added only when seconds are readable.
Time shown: h=10 m=22 s=57
